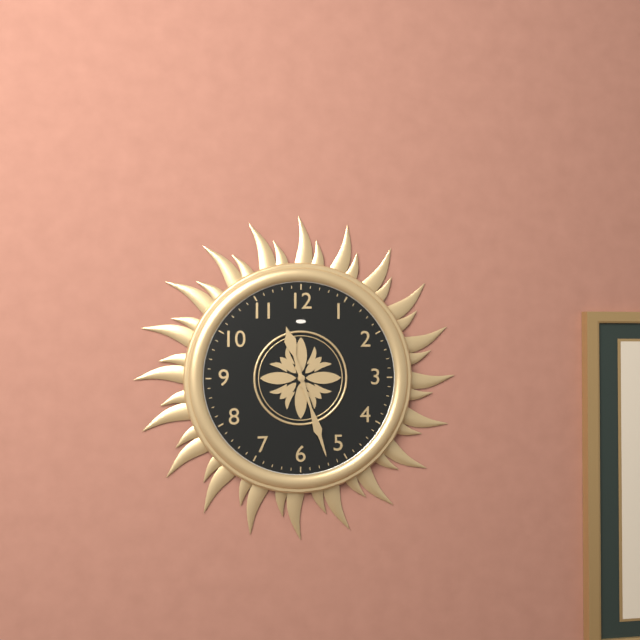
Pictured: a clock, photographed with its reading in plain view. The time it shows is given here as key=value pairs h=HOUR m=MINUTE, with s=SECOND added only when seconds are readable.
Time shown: h=11 m=27
